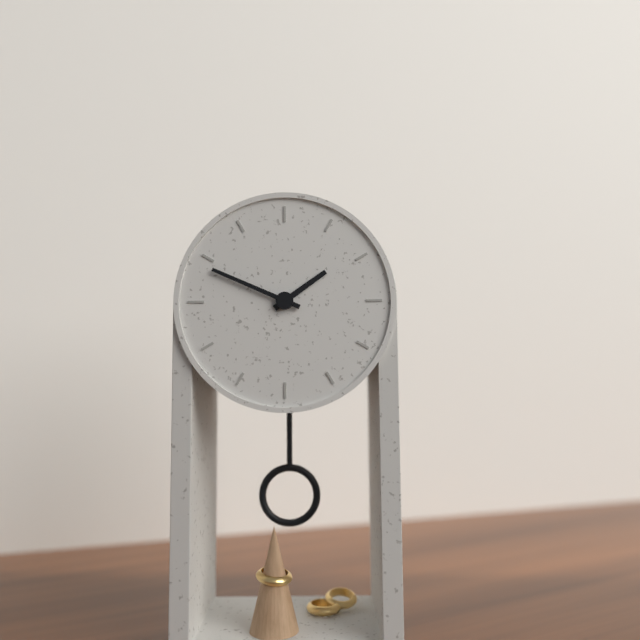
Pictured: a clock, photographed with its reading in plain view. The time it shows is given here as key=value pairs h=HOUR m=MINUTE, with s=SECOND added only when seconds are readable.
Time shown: h=1 m=49
